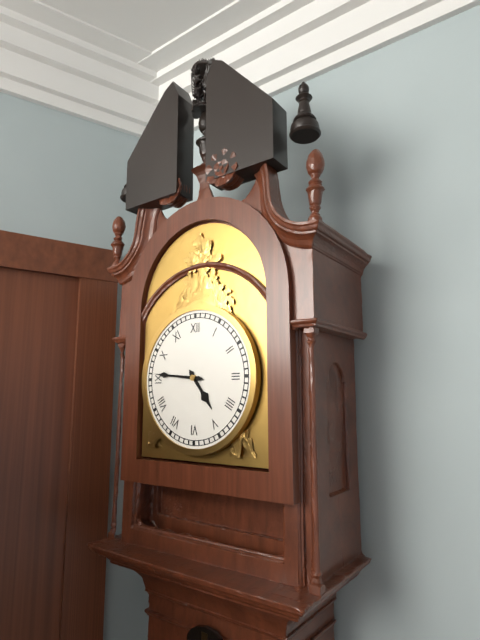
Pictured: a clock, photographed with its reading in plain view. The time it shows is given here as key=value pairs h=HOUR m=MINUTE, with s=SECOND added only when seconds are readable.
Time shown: h=4 m=46
